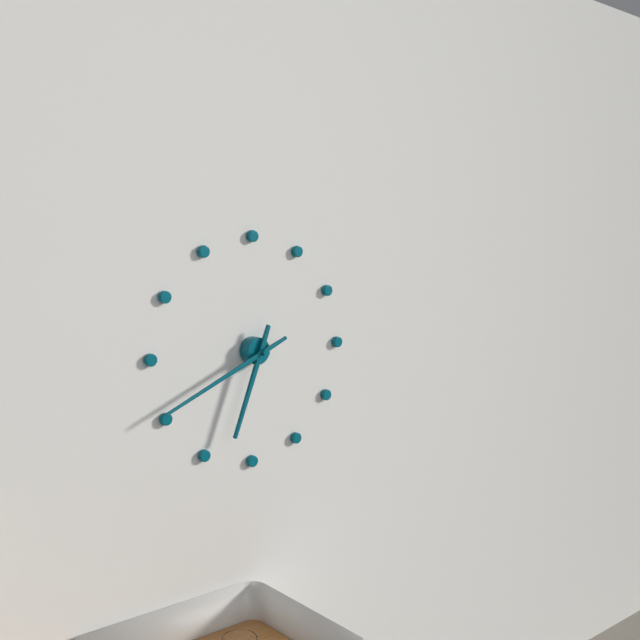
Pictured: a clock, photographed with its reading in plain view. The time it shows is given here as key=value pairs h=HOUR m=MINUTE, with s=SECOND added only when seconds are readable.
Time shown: h=6 m=41
